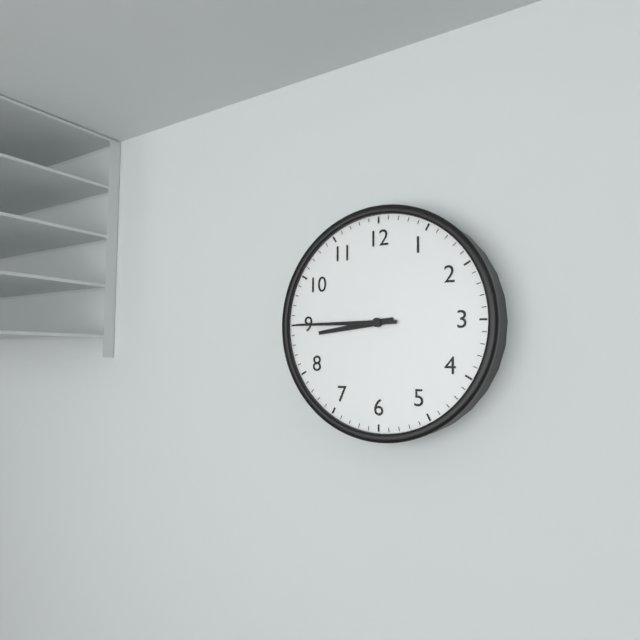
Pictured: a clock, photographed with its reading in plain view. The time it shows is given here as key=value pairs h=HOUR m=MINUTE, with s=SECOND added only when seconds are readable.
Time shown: h=8 m=45
